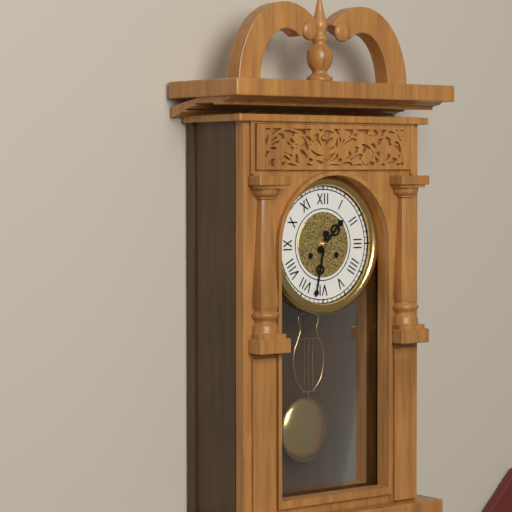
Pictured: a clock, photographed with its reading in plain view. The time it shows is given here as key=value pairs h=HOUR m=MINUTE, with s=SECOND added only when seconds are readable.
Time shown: h=1 m=32
